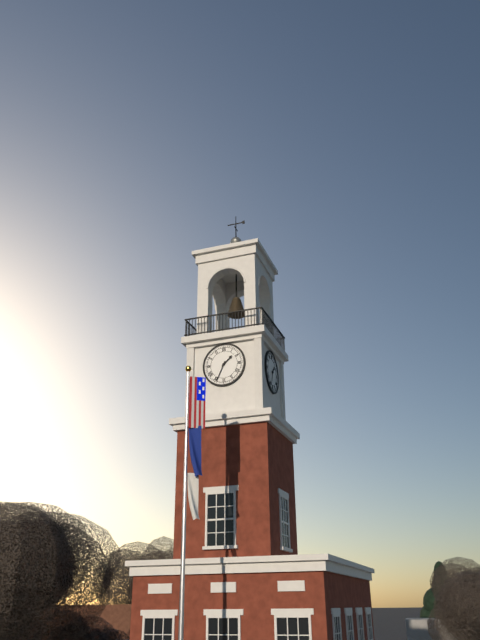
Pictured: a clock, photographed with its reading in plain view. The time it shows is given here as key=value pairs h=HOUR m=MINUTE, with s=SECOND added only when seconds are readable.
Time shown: h=1 m=34
